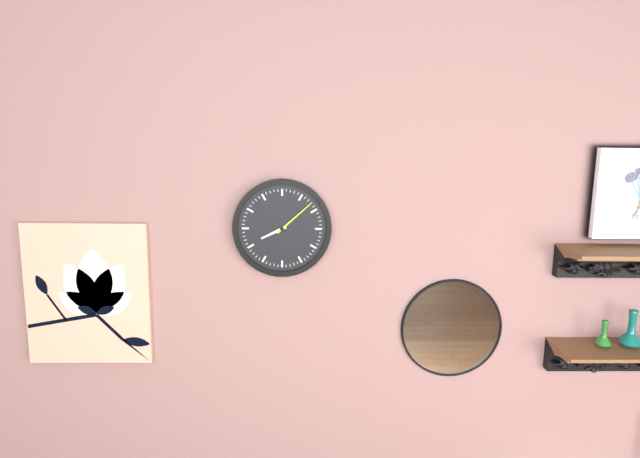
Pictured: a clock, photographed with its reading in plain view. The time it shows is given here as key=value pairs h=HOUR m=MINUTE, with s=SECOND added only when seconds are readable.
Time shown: h=8 m=8
